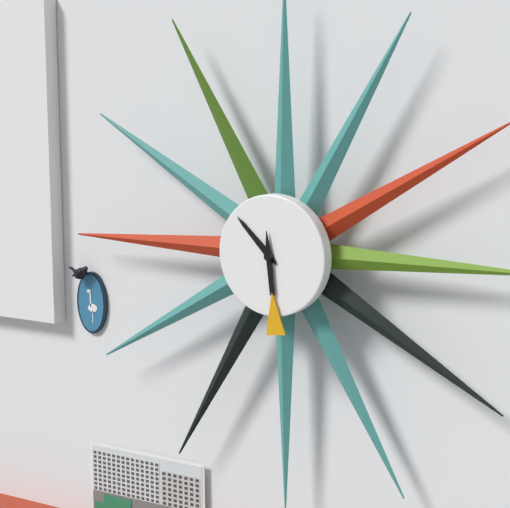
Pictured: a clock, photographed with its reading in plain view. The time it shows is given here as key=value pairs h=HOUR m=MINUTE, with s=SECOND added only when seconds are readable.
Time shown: h=10 m=29
